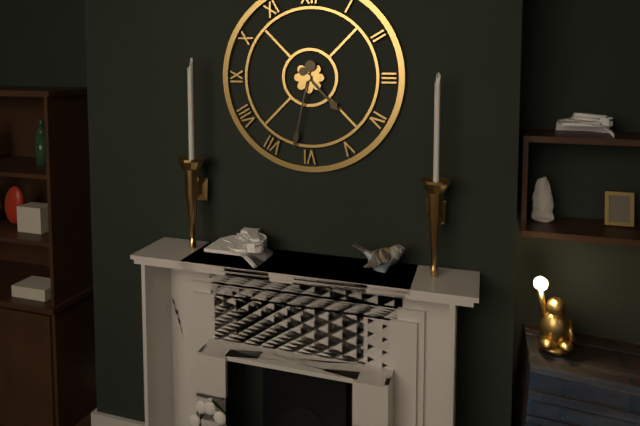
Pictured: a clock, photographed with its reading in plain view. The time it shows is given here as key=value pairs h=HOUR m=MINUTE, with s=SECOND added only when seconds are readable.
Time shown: h=4 m=32
